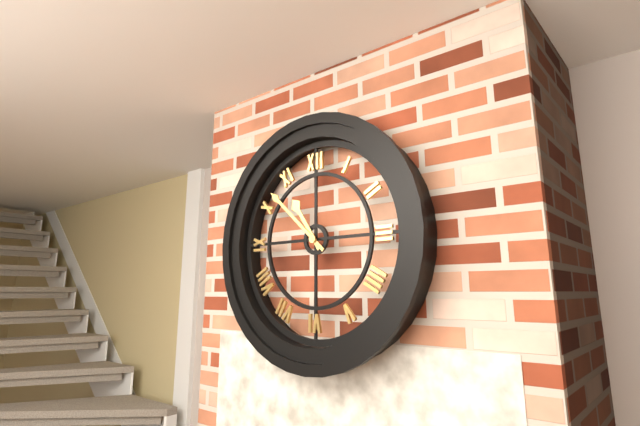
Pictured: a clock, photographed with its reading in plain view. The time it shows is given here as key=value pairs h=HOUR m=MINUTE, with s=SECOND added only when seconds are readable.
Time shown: h=10 m=52
